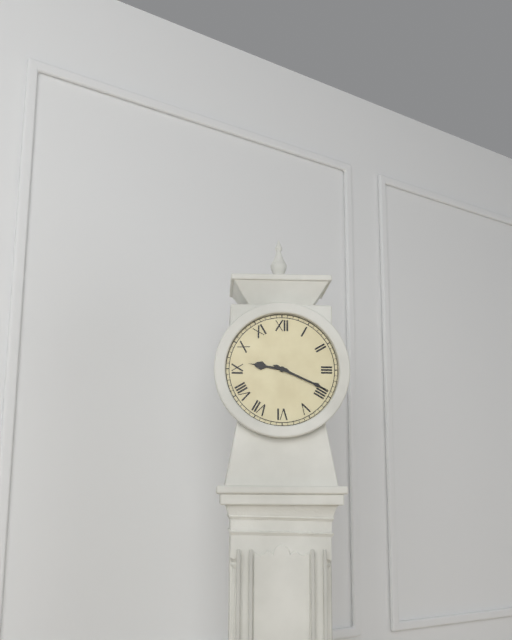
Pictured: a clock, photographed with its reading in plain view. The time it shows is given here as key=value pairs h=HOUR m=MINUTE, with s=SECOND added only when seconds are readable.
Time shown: h=9 m=19
